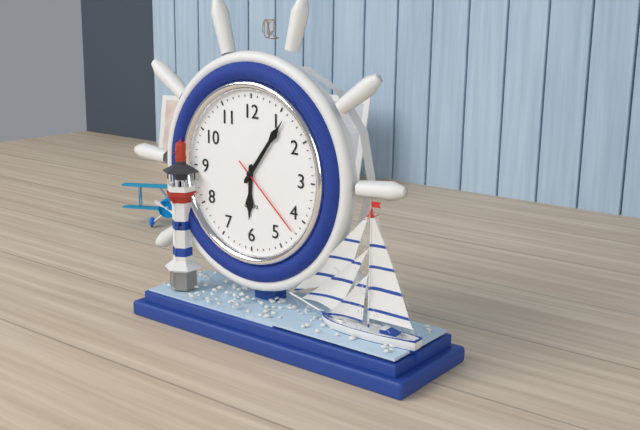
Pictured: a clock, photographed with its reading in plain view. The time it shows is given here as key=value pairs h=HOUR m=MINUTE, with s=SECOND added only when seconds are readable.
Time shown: h=6 m=6 s=22
